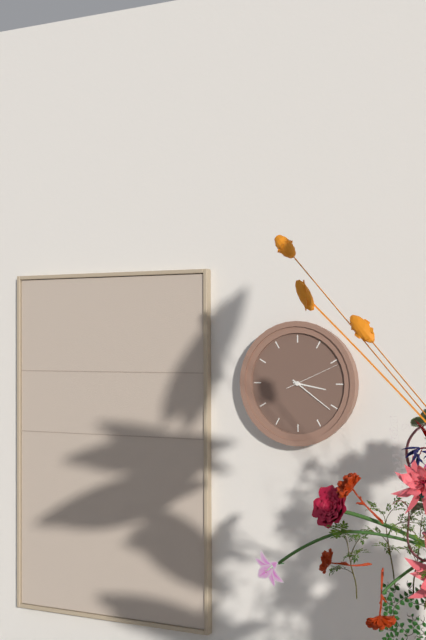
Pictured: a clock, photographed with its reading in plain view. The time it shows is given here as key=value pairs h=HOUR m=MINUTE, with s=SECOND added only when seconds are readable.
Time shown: h=3 m=21 s=11
